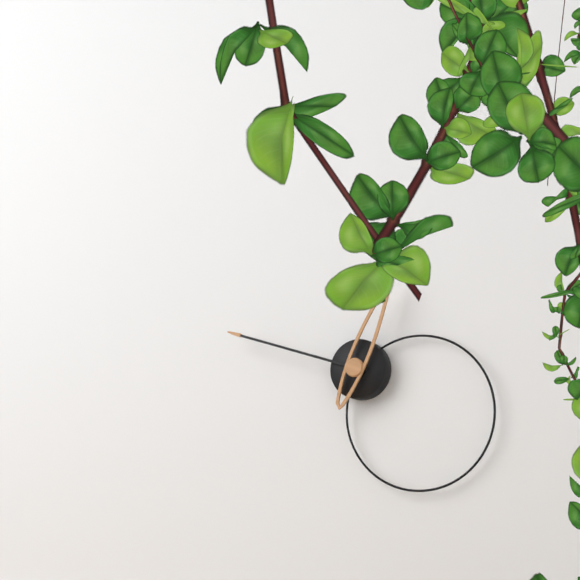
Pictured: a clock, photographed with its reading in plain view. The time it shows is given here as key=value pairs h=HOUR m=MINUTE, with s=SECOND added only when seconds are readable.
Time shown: h=12 m=48
